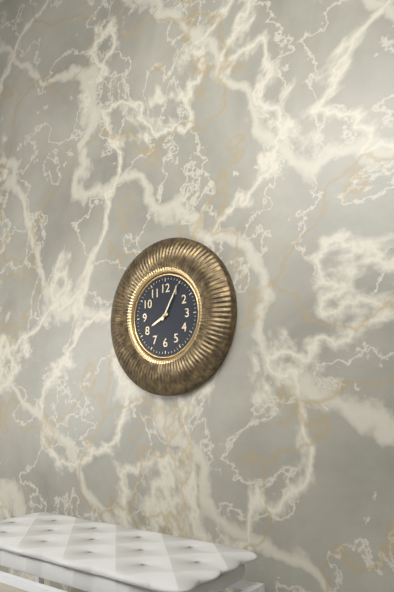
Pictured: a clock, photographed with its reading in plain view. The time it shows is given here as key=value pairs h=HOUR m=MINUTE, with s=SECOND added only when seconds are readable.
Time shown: h=8 m=5
